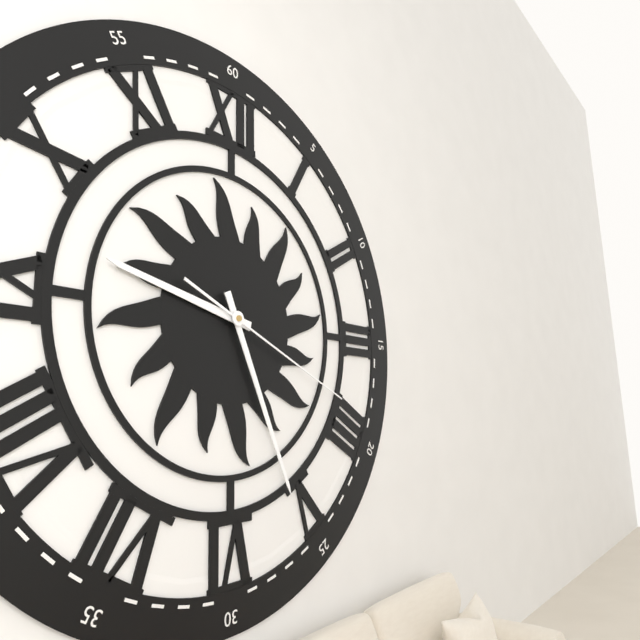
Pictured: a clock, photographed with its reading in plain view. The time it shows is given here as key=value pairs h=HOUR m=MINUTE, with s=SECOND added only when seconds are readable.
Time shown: h=9 m=26 s=19
